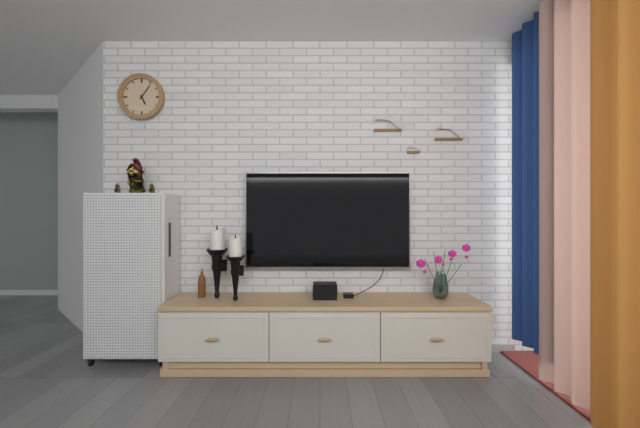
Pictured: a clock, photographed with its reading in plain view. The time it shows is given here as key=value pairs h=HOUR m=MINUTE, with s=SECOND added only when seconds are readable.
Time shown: h=5 m=6
